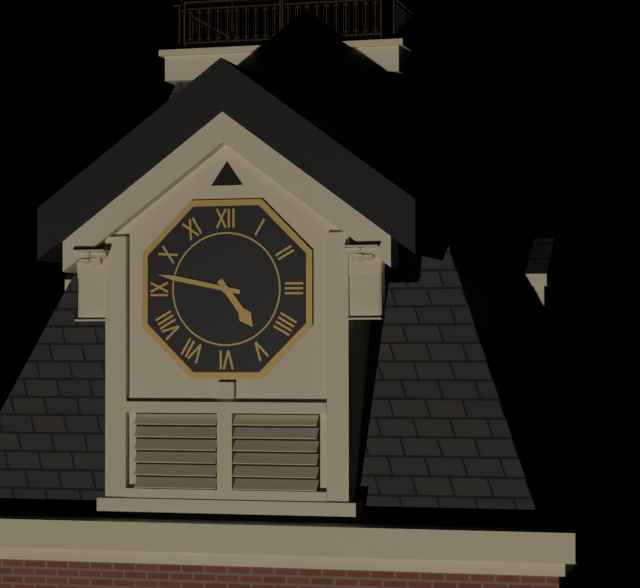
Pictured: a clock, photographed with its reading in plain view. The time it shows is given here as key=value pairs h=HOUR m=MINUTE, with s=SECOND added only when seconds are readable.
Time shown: h=4 m=47
